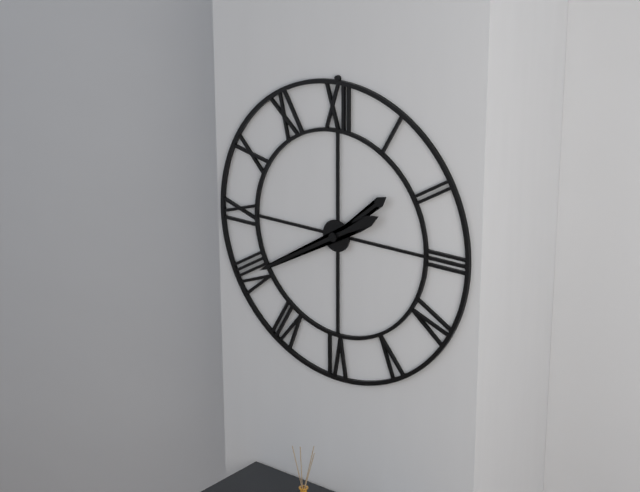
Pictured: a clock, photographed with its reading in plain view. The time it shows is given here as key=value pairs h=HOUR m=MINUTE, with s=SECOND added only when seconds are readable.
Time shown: h=1 m=40
